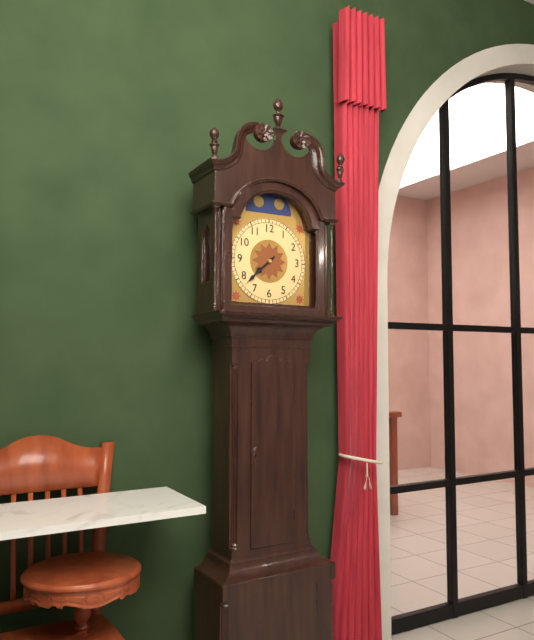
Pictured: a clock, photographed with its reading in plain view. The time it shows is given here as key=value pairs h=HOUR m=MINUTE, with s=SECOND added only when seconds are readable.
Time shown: h=7 m=38
